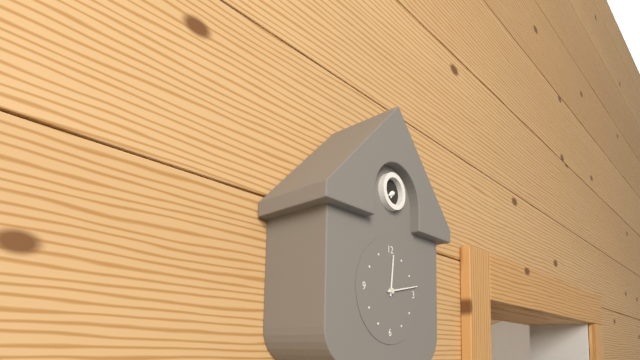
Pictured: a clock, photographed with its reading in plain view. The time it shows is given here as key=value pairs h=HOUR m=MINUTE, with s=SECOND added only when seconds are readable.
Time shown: h=12 m=13
